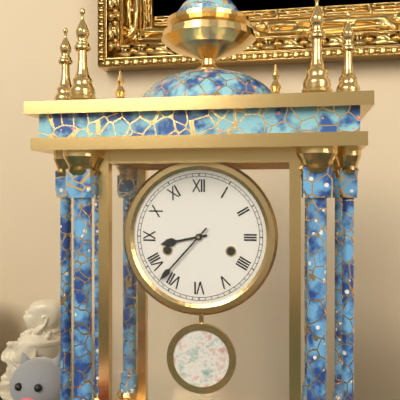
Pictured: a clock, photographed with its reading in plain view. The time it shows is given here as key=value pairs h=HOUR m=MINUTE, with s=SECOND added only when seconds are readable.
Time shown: h=8 m=37
